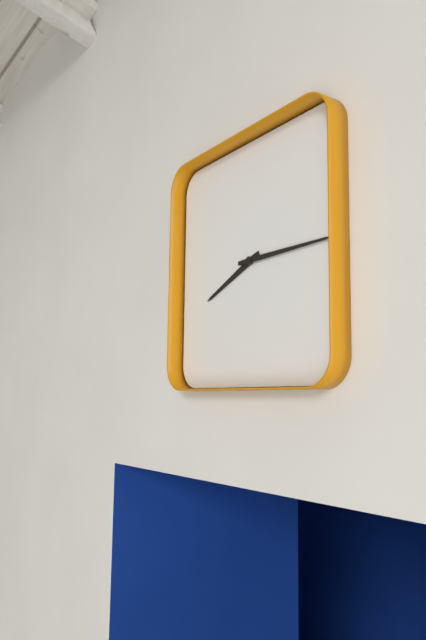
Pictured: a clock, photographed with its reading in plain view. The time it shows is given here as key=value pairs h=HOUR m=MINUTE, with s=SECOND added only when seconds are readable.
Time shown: h=8 m=15
